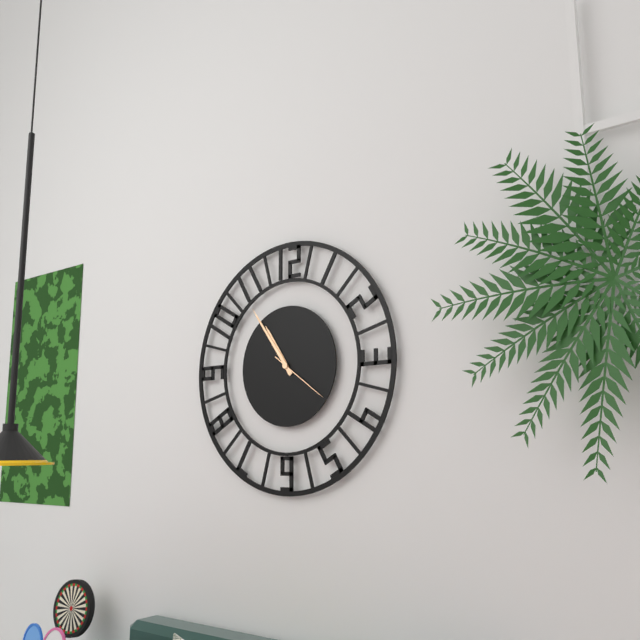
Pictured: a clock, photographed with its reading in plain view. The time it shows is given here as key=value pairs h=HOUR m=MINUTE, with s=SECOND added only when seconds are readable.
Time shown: h=10 m=54 s=21
